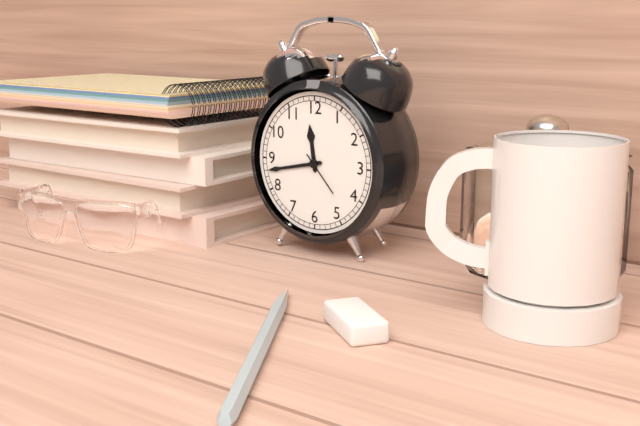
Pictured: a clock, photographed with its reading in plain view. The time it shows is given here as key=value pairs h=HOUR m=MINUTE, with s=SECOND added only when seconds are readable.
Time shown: h=11 m=43
